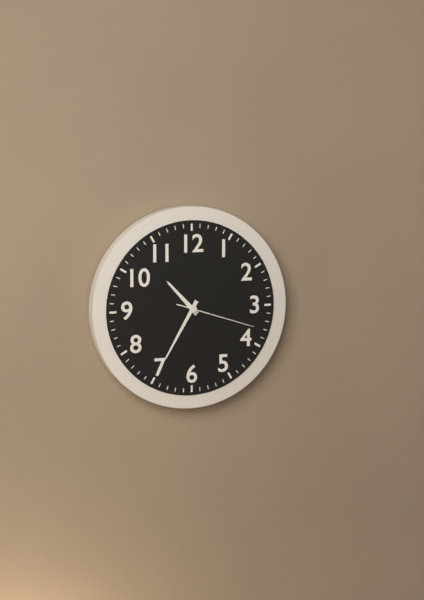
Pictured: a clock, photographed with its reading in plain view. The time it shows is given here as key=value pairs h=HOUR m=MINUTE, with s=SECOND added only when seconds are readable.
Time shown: h=10 m=35 s=18
